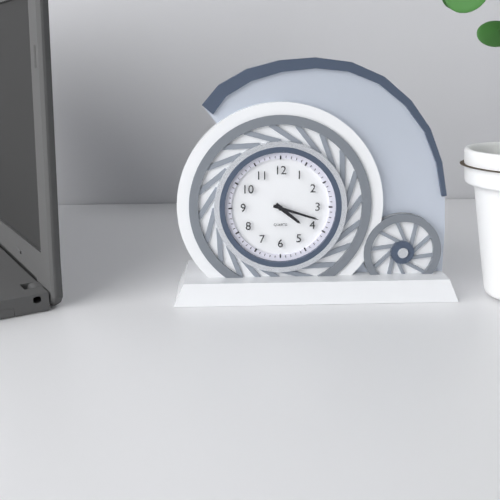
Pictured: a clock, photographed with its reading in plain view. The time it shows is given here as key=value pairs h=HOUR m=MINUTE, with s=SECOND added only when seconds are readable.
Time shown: h=4 m=18
